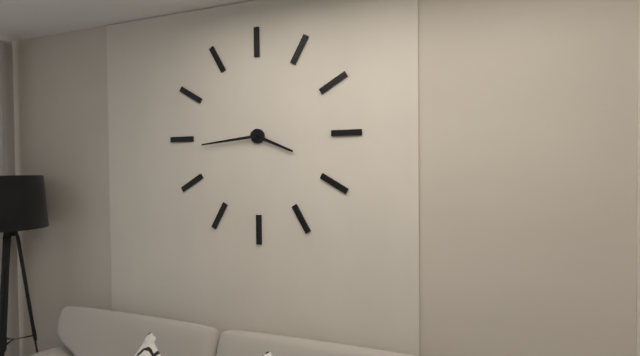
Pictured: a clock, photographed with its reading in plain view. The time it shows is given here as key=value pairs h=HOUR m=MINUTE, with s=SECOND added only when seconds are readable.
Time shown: h=3 m=44
